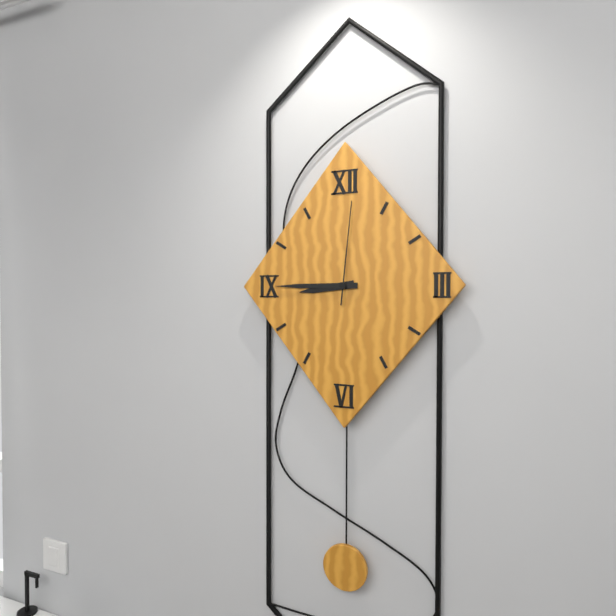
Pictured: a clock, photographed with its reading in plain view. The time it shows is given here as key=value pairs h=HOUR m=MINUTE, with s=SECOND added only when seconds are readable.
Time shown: h=8 m=45 s=1
